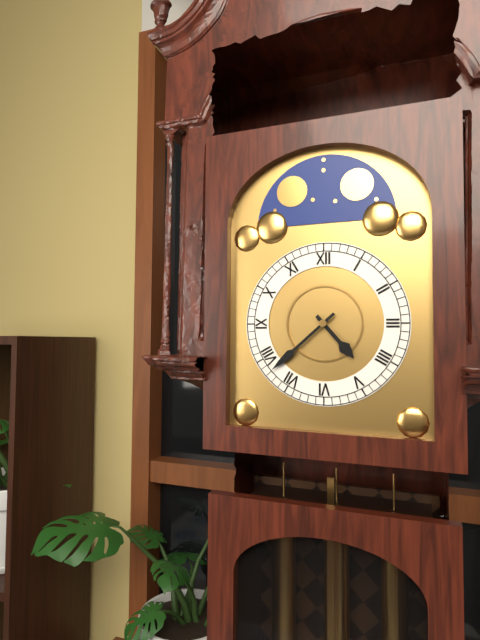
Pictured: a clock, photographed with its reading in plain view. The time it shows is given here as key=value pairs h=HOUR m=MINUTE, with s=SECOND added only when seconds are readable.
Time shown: h=4 m=38
